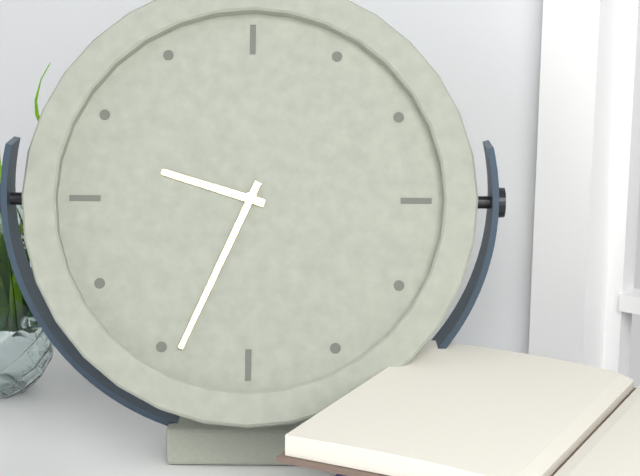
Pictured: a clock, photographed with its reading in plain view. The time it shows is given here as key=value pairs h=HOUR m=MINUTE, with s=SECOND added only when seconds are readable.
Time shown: h=9 m=34
